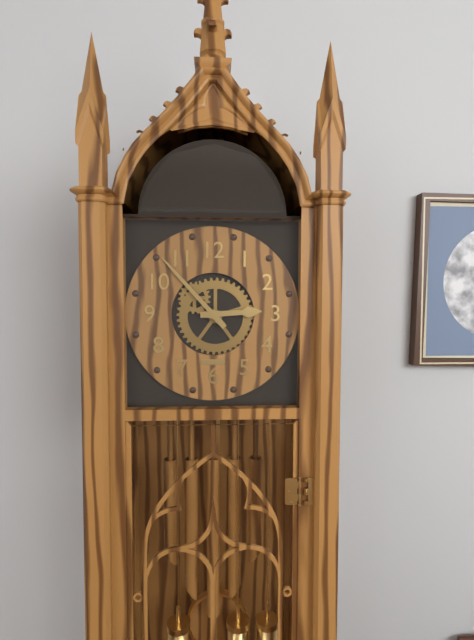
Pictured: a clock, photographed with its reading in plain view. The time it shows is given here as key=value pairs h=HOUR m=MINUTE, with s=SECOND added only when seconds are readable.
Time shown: h=2 m=53
